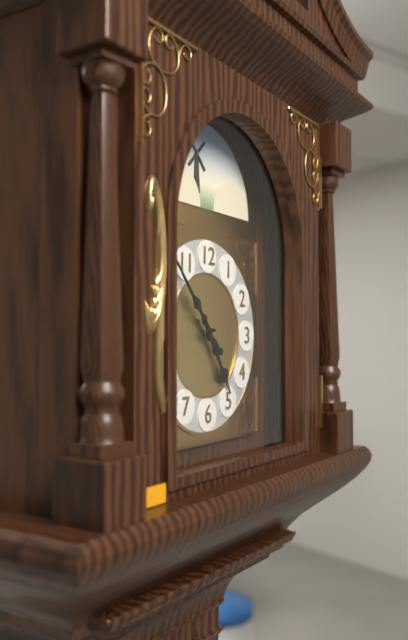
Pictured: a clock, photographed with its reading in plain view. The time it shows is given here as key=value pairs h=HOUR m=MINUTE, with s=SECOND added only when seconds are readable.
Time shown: h=4 m=53
